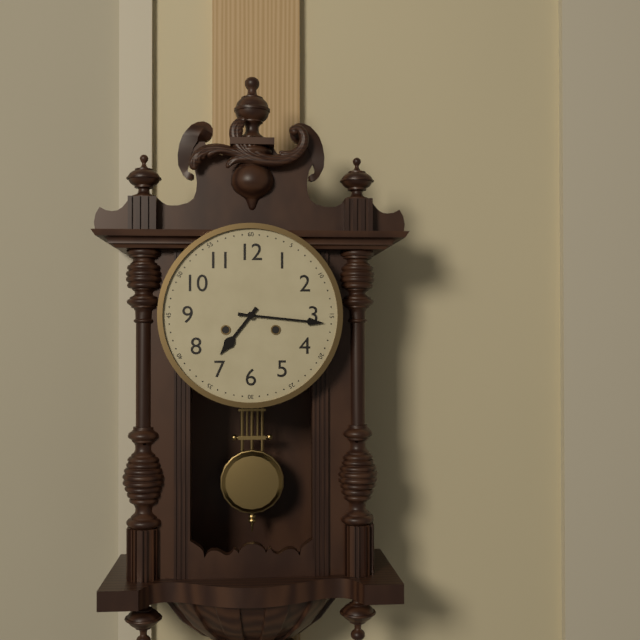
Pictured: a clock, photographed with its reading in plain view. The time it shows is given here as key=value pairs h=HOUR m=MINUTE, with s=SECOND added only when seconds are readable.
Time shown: h=7 m=16
